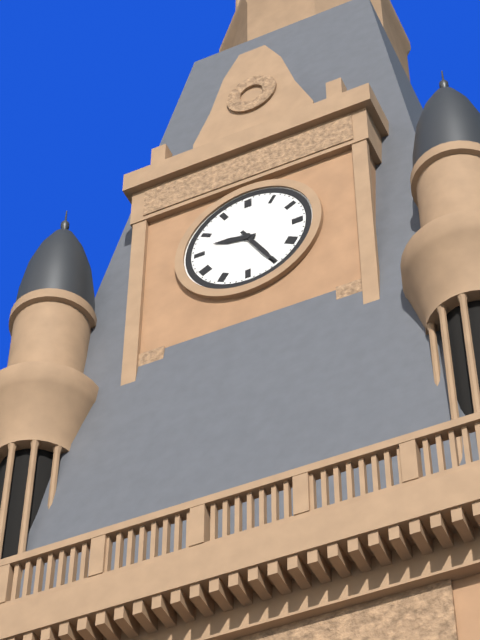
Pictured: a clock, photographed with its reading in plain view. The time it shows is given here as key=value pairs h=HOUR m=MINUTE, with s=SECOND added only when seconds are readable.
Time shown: h=9 m=25
